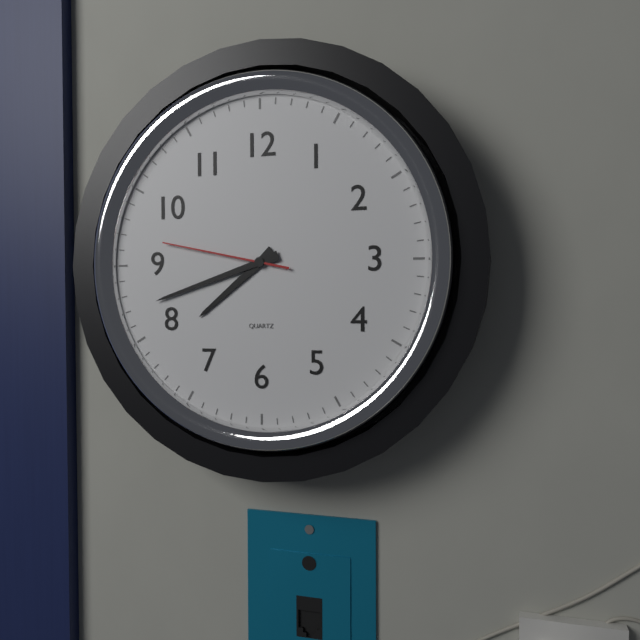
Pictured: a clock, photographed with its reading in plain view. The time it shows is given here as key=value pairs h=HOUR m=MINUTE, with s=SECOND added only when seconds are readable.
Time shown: h=7 m=42 s=47
